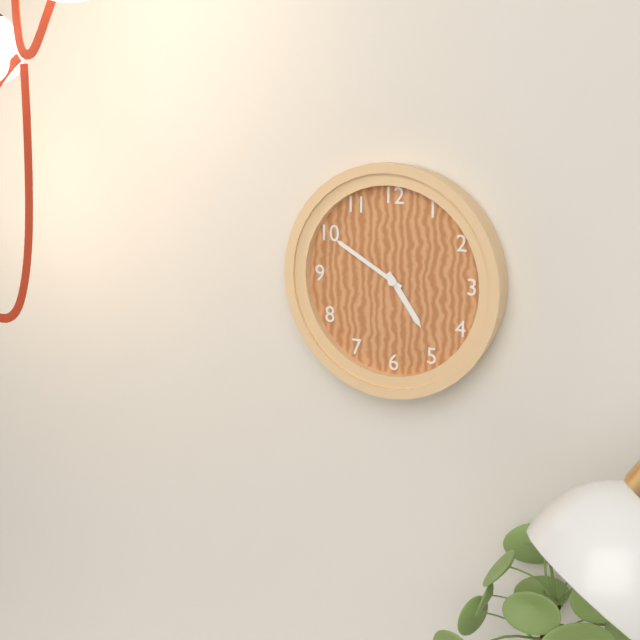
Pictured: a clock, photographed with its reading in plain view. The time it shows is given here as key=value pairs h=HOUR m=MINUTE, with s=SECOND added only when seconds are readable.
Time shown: h=4 m=50
